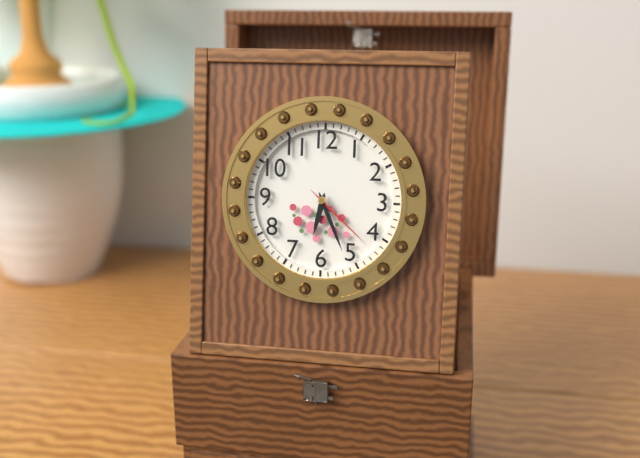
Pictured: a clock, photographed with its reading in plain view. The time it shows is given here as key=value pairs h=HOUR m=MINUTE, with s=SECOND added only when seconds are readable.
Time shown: h=6 m=26 s=22
